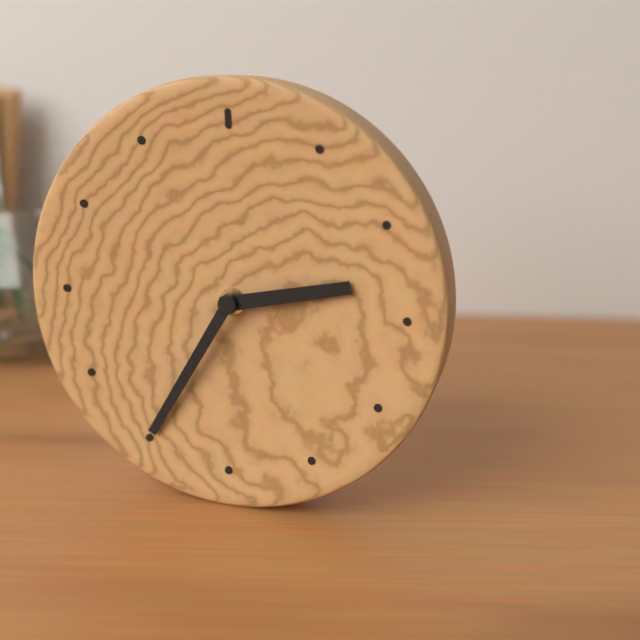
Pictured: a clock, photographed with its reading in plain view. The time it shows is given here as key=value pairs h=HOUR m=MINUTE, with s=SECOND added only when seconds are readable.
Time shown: h=2 m=35
